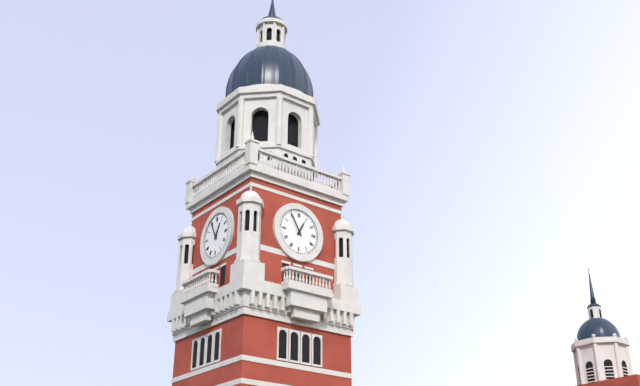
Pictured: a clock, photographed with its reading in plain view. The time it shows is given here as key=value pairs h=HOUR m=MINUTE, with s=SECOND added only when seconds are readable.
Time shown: h=12 m=55
